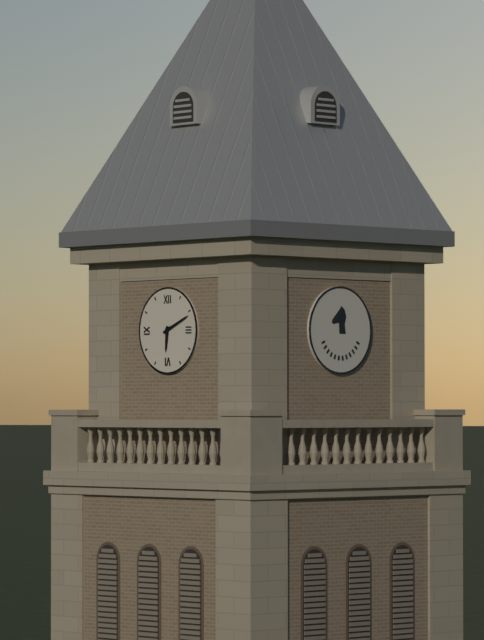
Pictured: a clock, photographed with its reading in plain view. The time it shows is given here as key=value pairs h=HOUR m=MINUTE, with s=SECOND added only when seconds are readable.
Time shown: h=6 m=11
